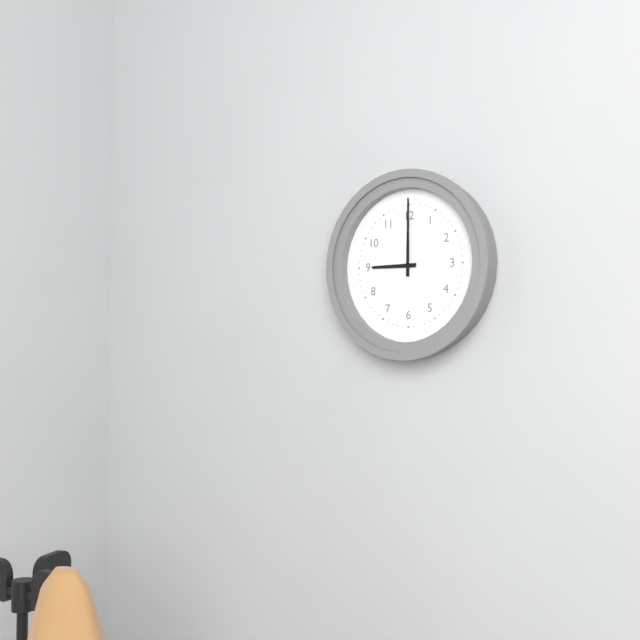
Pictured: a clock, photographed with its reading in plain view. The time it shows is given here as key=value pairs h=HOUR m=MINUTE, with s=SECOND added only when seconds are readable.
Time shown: h=9 m=0
